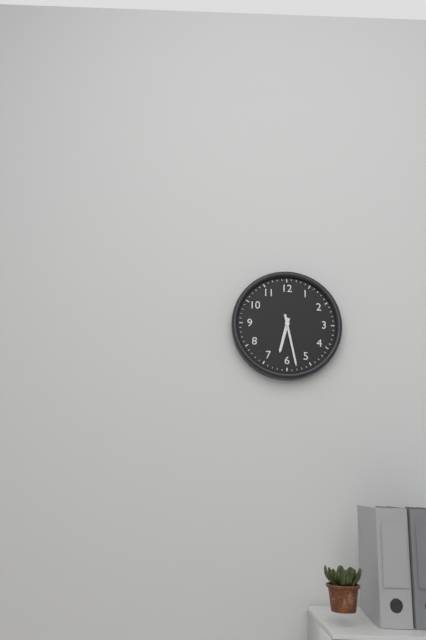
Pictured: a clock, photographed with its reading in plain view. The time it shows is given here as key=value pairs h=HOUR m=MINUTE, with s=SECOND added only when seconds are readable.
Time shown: h=6 m=28
